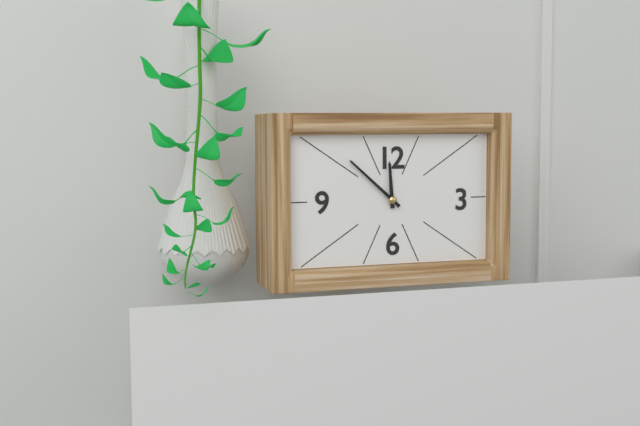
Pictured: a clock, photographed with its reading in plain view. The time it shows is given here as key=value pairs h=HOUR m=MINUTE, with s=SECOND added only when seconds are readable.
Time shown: h=11 m=52
